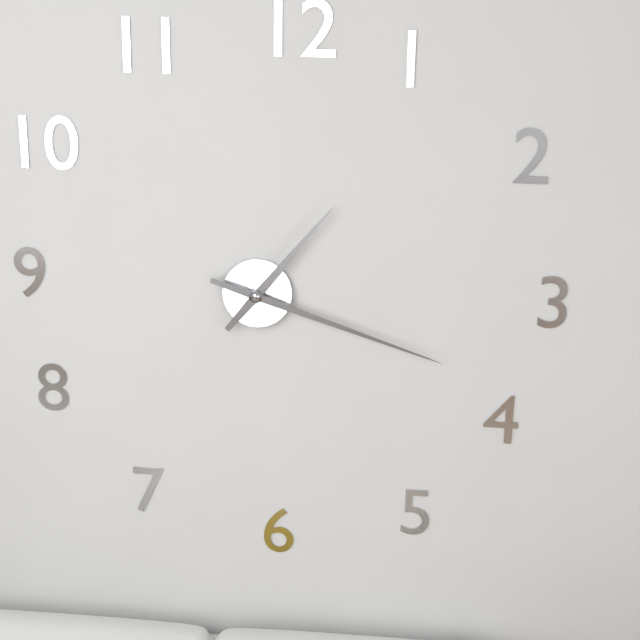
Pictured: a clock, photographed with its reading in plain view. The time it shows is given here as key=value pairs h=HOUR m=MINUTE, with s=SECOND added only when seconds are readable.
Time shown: h=1 m=18
